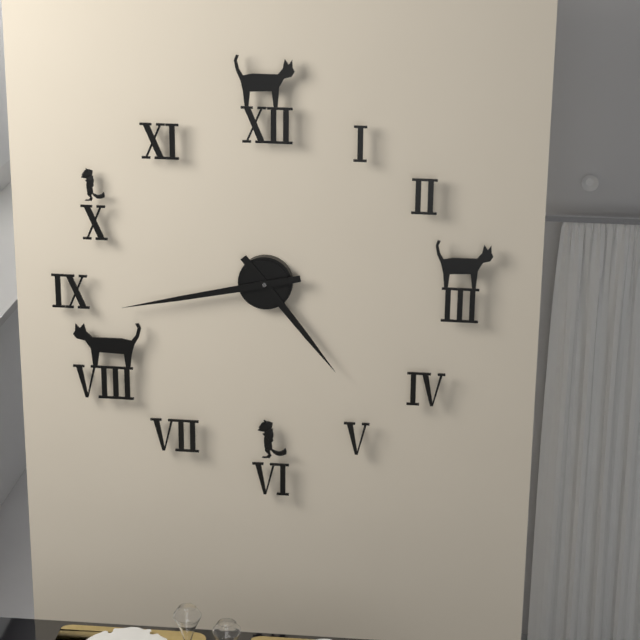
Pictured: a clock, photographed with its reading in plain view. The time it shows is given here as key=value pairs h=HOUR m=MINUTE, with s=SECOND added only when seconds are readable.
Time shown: h=4 m=43
